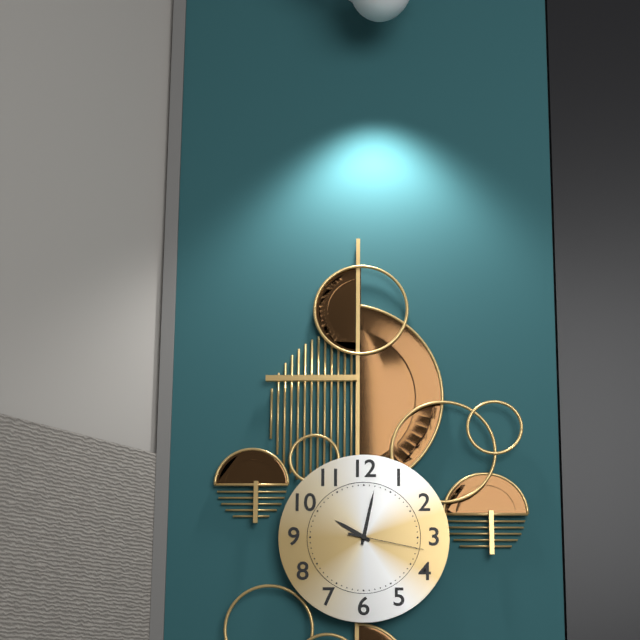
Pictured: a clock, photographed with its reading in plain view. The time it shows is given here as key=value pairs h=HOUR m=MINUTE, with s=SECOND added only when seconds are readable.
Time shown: h=10 m=2 s=17
